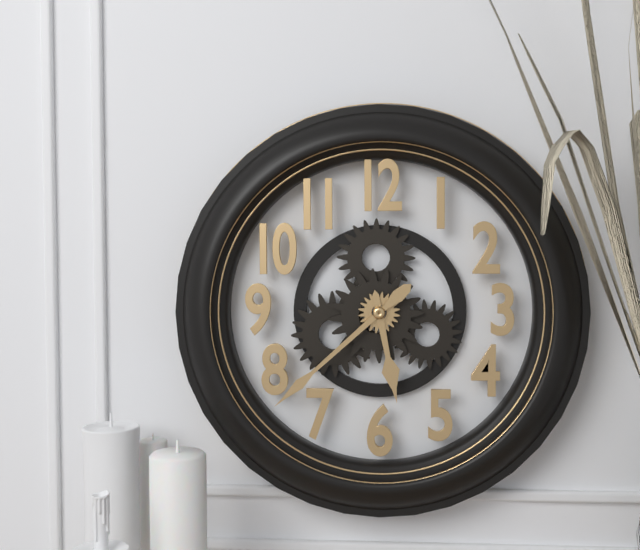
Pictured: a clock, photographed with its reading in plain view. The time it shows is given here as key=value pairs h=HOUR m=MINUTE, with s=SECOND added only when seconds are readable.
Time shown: h=5 m=38
